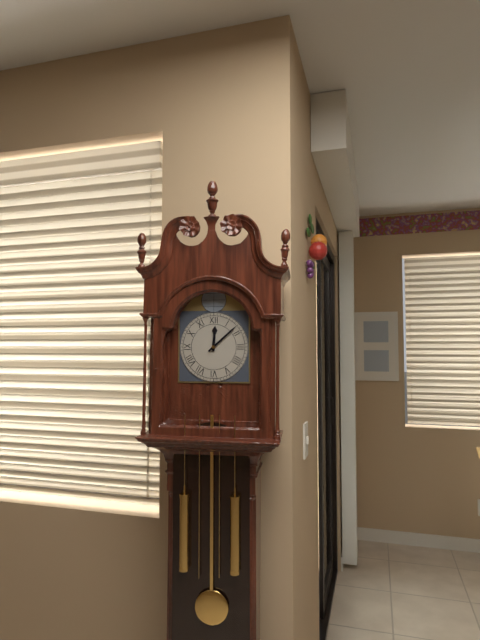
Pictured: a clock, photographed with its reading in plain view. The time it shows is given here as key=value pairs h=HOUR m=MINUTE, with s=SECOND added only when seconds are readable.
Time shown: h=12 m=8
